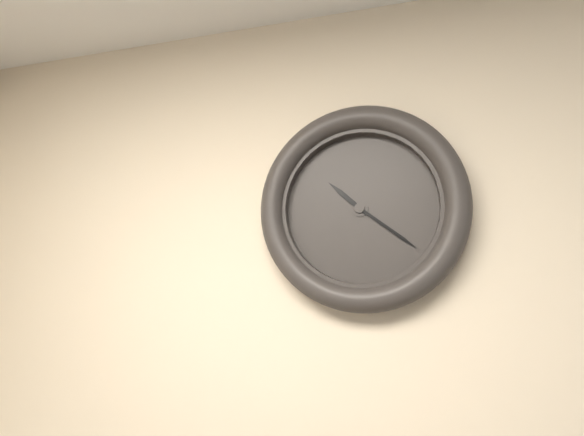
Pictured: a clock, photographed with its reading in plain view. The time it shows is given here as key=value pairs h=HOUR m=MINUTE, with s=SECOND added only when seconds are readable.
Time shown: h=10 m=21
